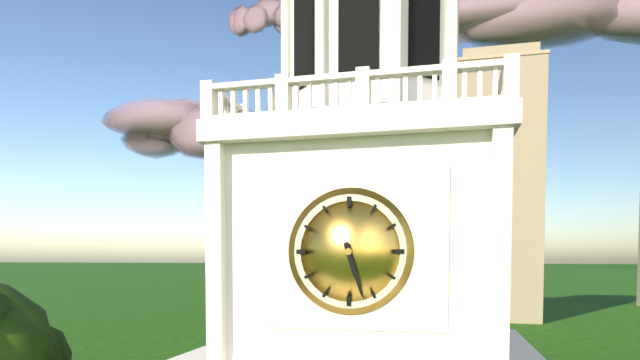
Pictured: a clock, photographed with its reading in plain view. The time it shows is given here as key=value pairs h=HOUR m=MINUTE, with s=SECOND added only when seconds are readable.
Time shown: h=5 m=27
